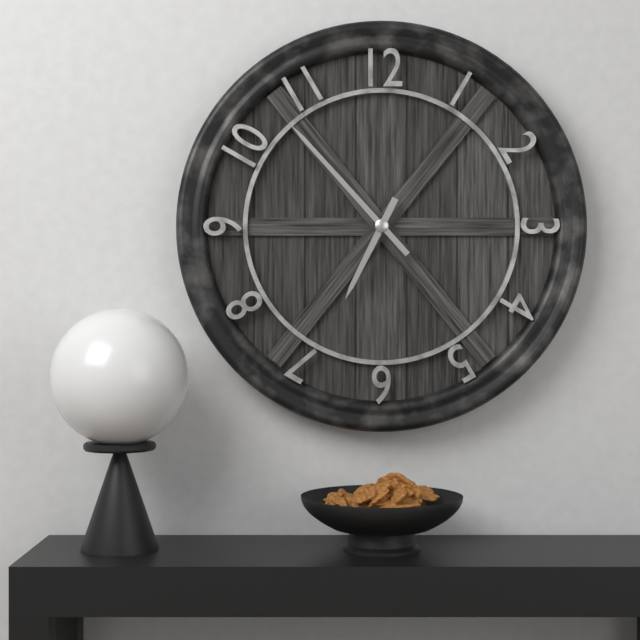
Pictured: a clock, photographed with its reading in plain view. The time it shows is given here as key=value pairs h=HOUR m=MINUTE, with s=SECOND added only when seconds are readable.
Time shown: h=6 m=53
